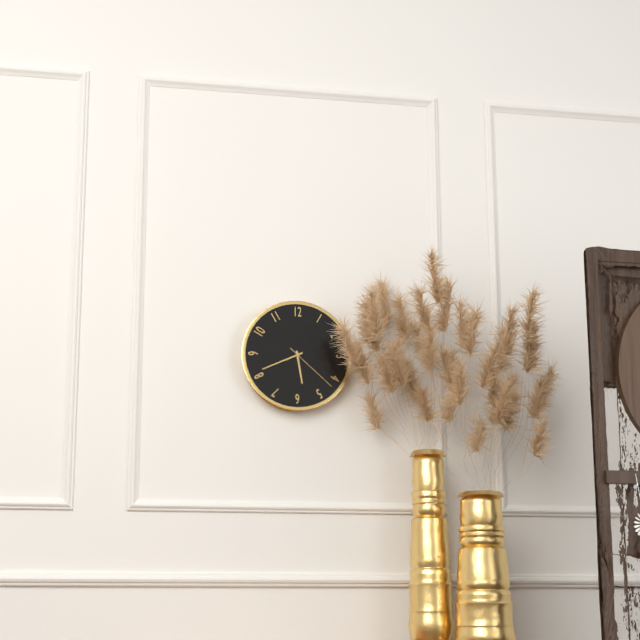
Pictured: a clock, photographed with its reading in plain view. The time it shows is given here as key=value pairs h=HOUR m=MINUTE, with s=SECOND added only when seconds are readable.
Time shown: h=5 m=41 s=22
